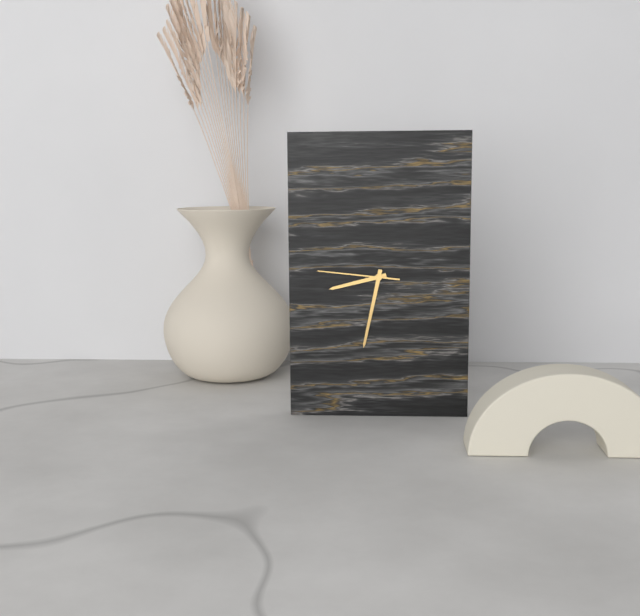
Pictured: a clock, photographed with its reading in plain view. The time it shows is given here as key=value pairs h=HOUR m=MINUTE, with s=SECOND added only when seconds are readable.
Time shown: h=8 m=32 s=46
